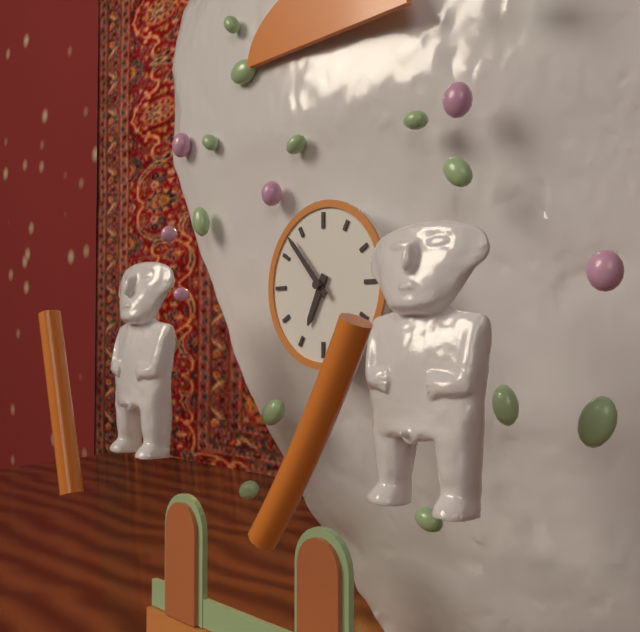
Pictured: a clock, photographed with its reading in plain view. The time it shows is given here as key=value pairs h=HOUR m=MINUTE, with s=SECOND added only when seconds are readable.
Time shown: h=6 m=53
